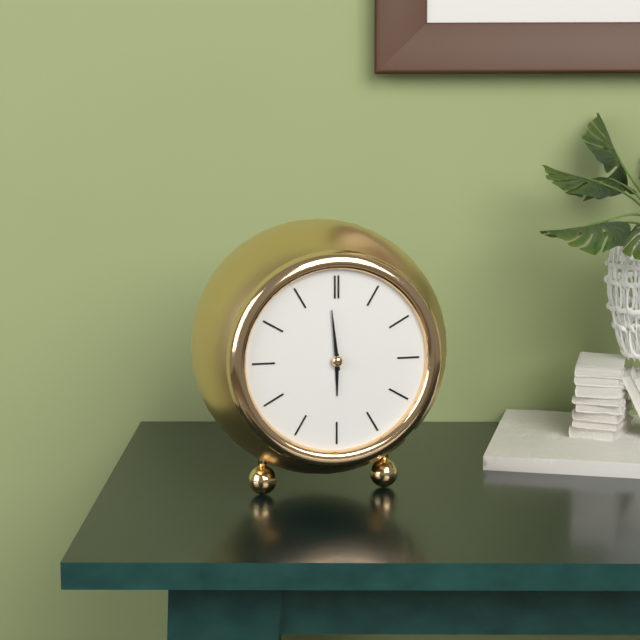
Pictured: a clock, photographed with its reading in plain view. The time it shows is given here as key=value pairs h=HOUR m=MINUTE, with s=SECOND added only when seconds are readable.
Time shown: h=5 m=59
